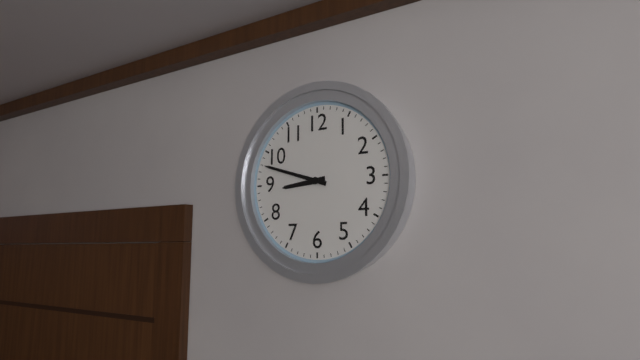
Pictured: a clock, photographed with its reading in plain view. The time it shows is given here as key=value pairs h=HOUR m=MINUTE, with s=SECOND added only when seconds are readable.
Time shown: h=8 m=48
